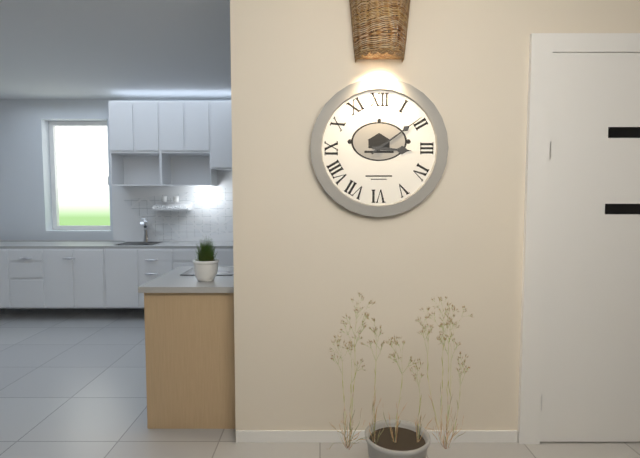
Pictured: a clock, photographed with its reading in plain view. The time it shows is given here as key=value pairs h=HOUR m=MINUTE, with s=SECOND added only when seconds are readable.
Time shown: h=3 m=9
